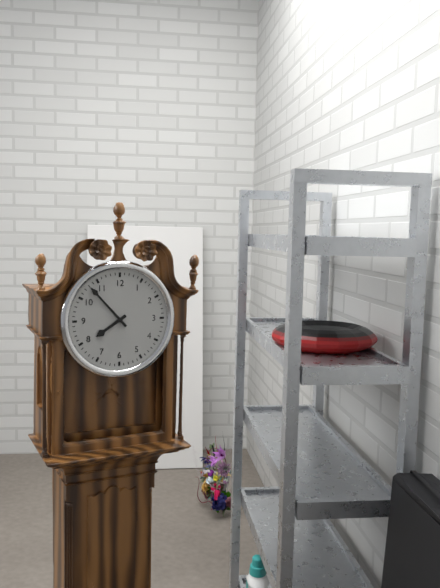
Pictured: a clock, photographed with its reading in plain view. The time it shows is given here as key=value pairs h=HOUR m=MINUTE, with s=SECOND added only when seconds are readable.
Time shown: h=7 m=53
